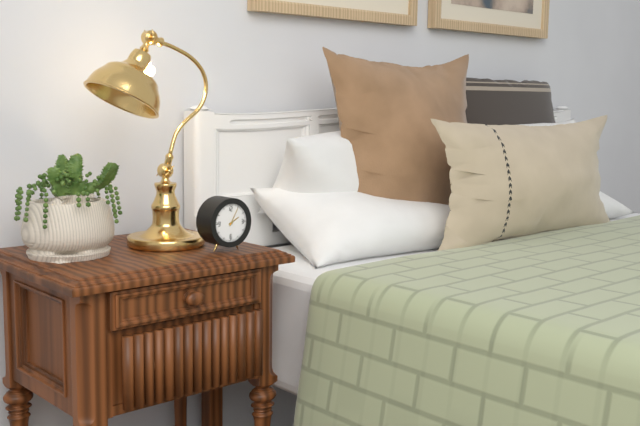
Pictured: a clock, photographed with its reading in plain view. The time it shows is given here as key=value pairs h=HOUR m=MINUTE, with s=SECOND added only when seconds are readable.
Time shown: h=2 m=5
